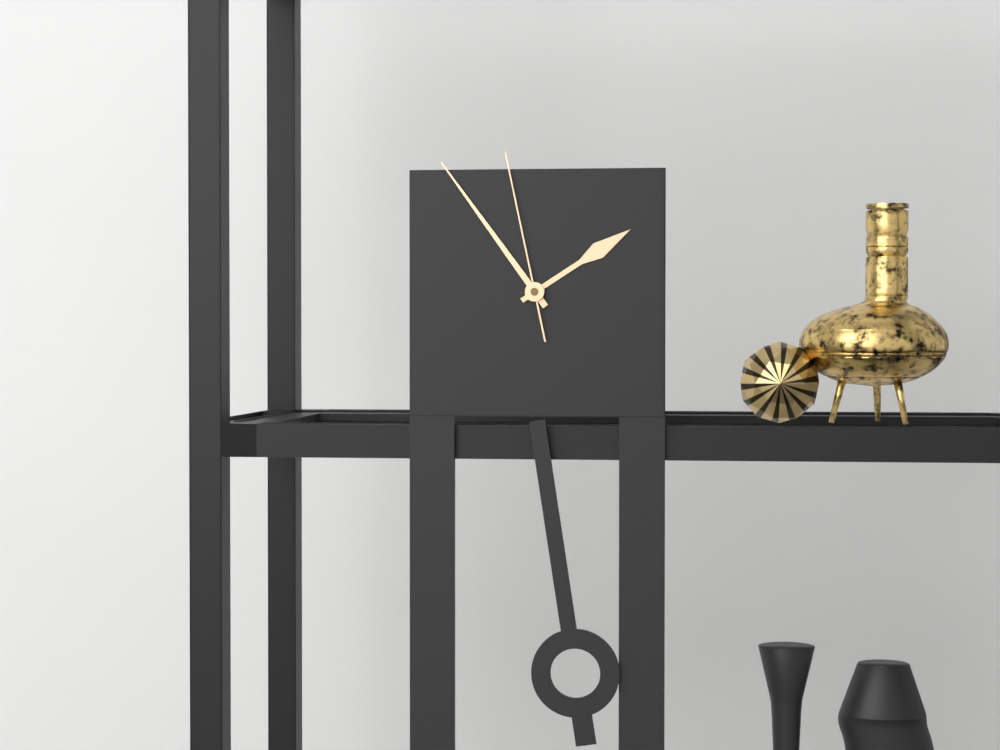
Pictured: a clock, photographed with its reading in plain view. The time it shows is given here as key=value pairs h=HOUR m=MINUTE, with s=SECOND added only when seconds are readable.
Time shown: h=1 m=54 s=58
